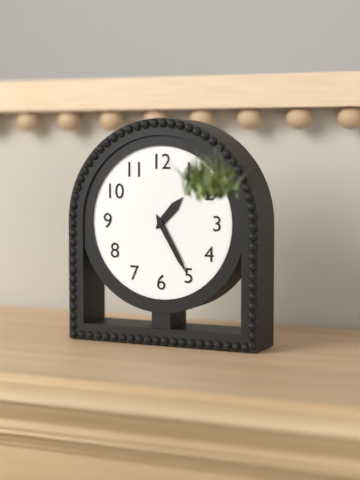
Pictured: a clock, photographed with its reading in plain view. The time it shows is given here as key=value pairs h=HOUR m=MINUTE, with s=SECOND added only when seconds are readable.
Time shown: h=1 m=25
